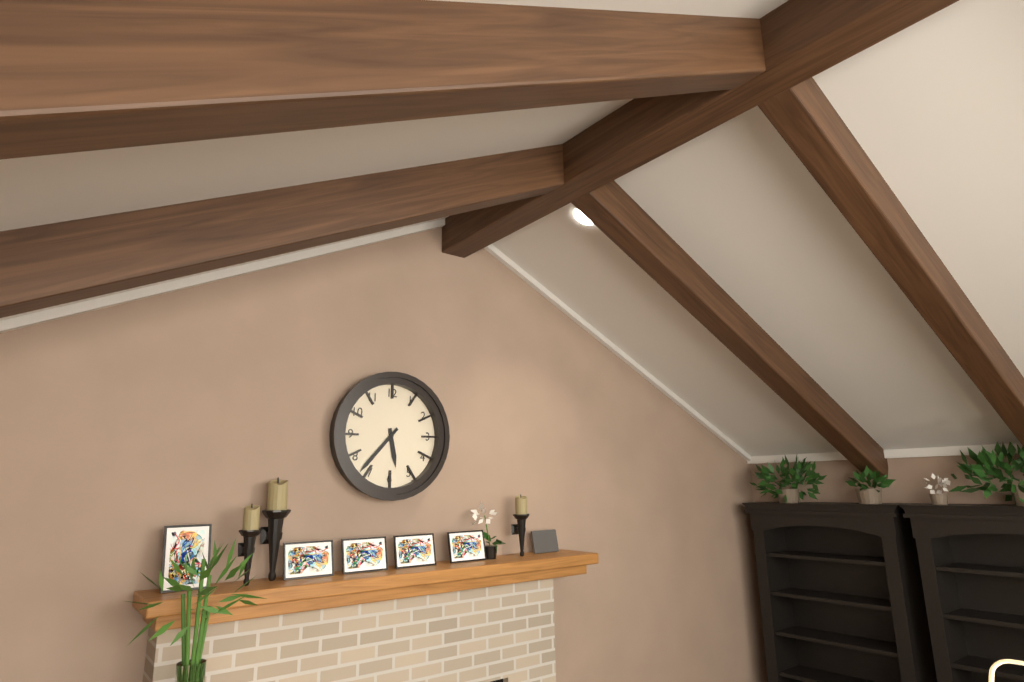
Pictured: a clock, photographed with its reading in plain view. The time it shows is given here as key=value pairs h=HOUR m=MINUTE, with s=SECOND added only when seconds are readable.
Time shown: h=5 m=37
